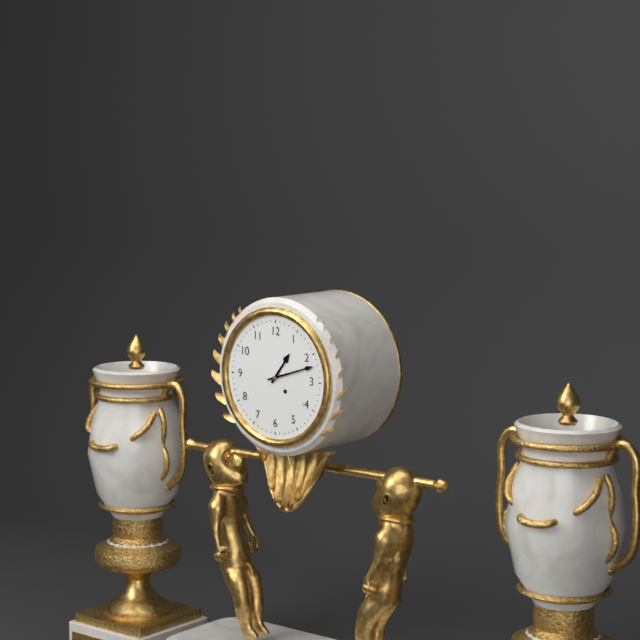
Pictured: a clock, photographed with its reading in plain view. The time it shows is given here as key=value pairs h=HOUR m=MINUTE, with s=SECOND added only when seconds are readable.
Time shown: h=1 m=12
